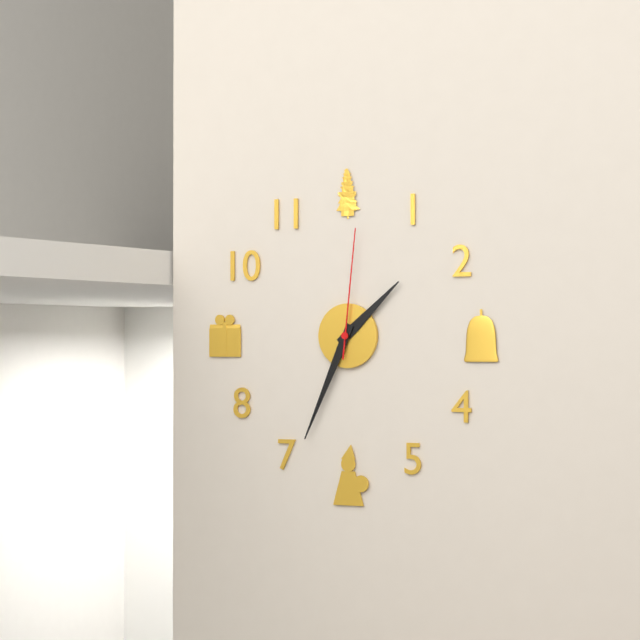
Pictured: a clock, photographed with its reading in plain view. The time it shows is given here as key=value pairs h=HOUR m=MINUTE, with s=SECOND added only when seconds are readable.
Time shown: h=1 m=34 s=1
